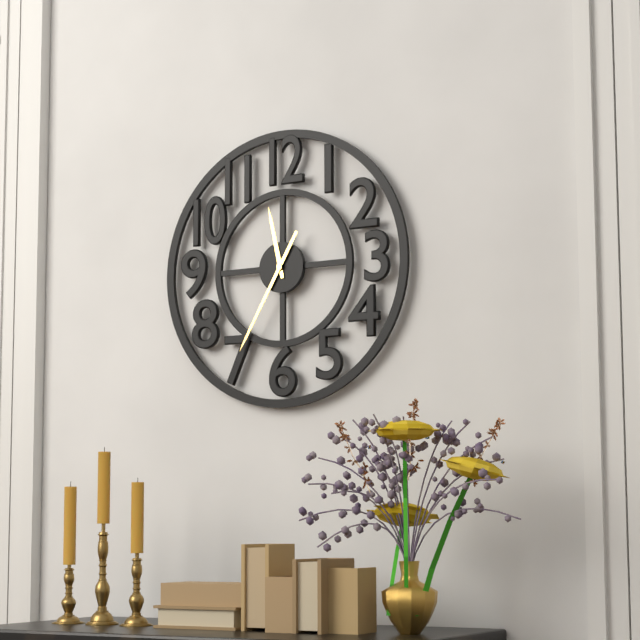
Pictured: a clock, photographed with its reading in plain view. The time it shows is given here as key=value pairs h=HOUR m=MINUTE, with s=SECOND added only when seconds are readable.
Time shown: h=11 m=35
